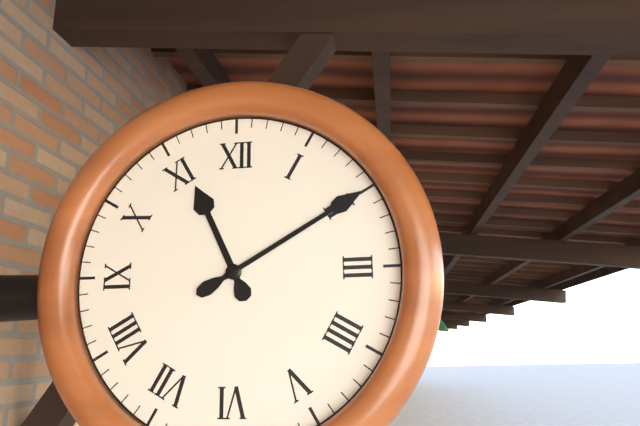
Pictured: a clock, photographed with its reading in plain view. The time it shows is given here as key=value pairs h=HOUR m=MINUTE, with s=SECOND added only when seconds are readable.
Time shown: h=11 m=10
